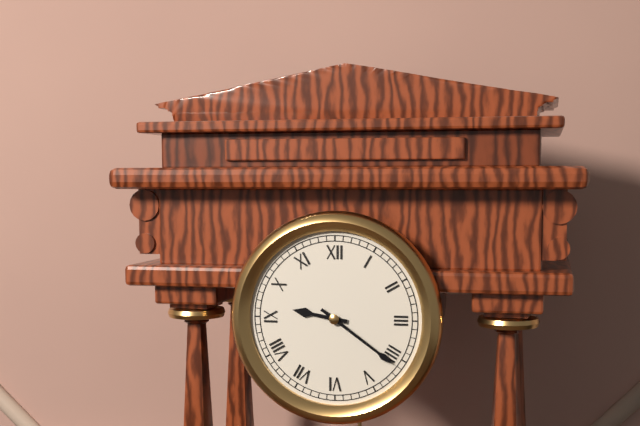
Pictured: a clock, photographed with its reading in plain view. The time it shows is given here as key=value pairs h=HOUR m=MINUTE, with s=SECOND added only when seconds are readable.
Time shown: h=9 m=21
